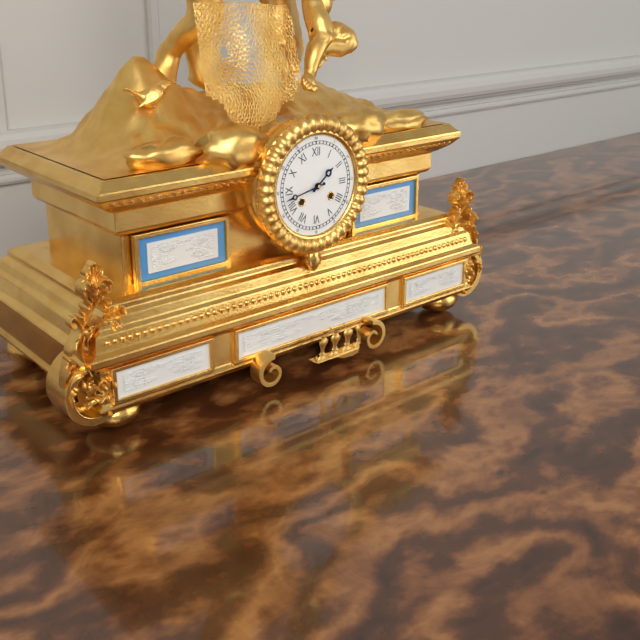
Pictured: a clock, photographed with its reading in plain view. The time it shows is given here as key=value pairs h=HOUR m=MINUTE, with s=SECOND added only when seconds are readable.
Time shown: h=1 m=43
